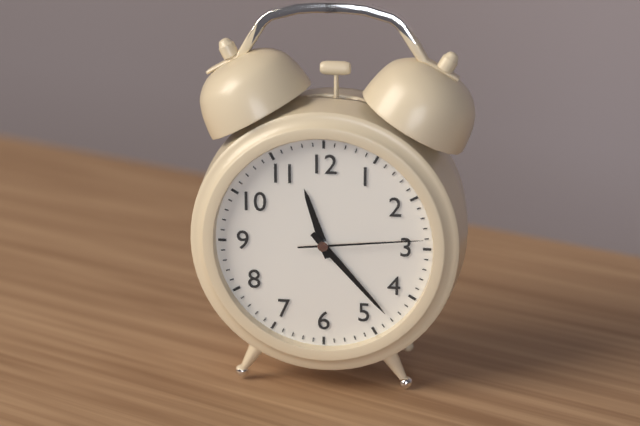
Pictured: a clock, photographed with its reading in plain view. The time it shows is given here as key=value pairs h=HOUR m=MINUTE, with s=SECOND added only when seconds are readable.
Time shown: h=11 m=23 s=14
